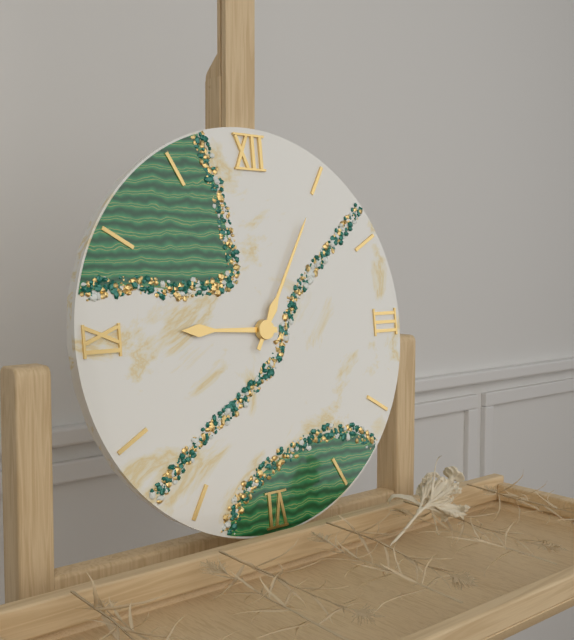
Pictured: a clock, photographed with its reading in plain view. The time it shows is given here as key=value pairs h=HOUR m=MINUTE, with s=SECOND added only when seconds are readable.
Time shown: h=9 m=5
